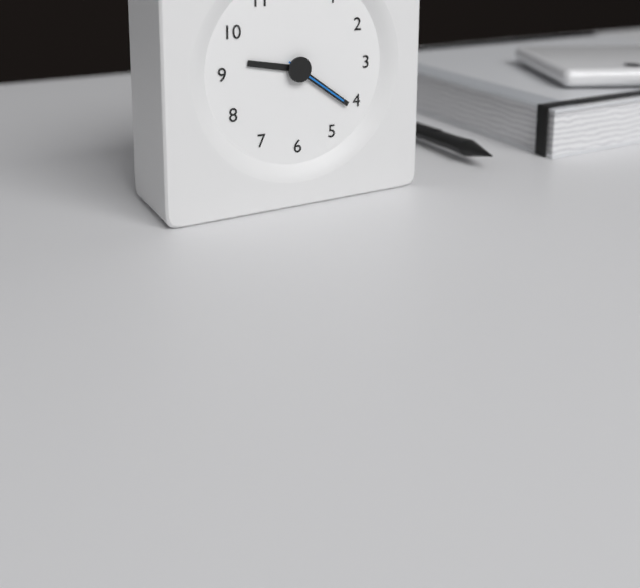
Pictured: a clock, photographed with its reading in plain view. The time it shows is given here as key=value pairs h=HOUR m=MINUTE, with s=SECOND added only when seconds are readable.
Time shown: h=9 m=21 s=21
